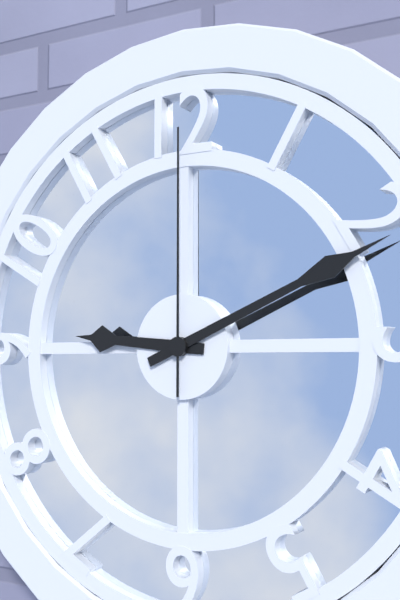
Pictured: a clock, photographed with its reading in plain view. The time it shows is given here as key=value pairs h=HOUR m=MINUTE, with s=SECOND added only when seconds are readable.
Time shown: h=9 m=11 s=0
